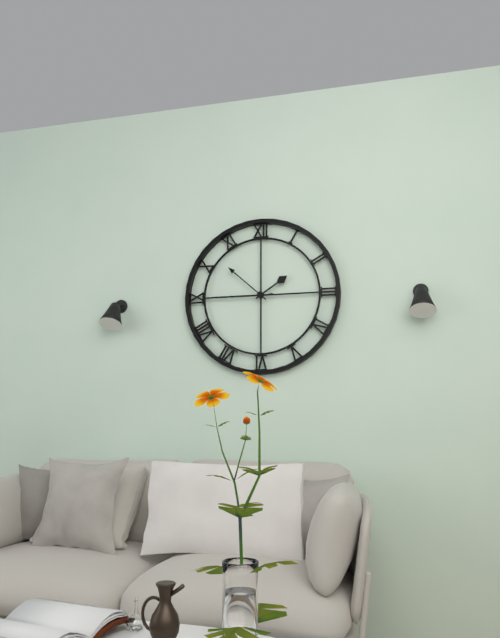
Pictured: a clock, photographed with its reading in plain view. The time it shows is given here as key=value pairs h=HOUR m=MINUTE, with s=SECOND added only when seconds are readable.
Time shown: h=1 m=52 s=45
